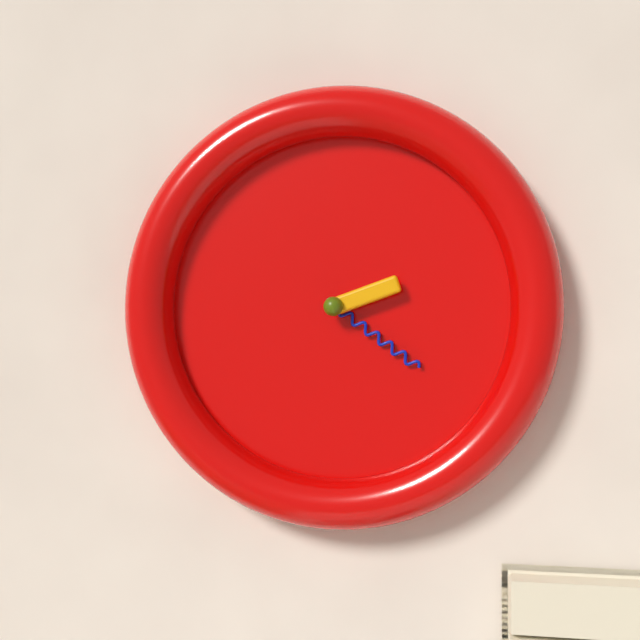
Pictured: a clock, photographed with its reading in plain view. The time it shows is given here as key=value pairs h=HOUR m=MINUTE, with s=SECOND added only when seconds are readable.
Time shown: h=2 m=21
